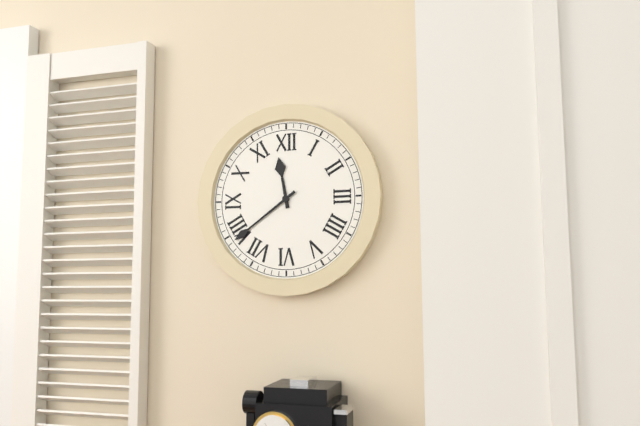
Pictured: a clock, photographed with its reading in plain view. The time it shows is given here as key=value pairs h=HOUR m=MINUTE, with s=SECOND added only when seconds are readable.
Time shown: h=11 m=39
